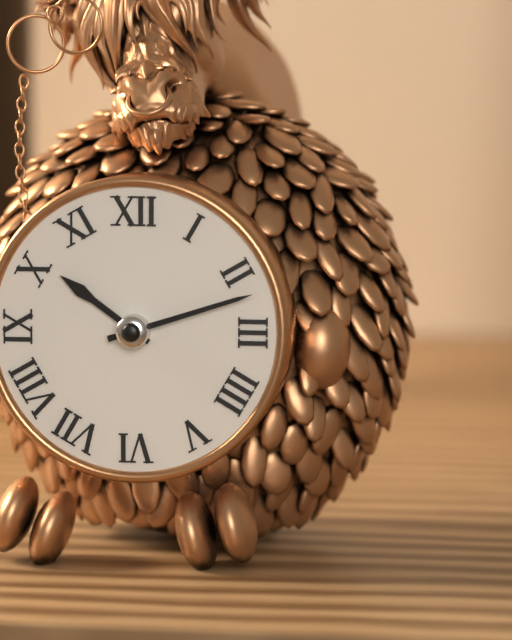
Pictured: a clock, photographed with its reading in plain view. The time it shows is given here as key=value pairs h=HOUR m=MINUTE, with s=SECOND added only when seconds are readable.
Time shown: h=10 m=12
